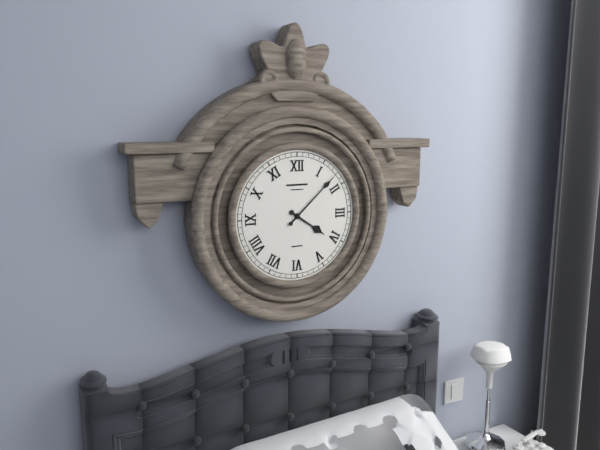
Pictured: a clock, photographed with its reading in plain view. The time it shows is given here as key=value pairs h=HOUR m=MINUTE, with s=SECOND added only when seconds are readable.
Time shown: h=4 m=8
